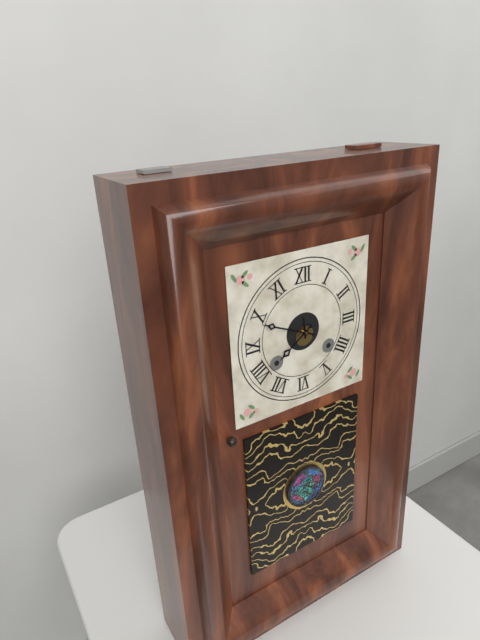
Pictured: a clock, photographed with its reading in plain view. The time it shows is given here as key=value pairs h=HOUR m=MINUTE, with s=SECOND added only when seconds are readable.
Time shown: h=7 m=49
